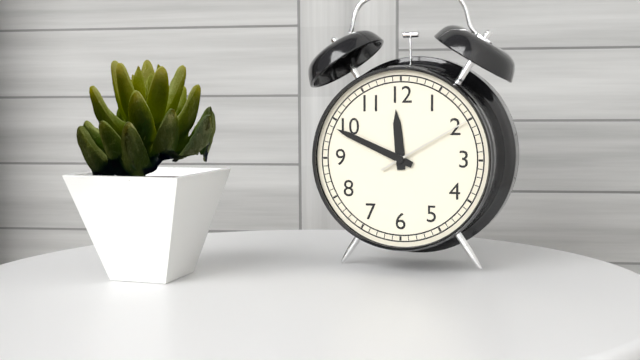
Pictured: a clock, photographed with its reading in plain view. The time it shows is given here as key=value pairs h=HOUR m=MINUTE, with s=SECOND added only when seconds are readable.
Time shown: h=11 m=49 s=10
